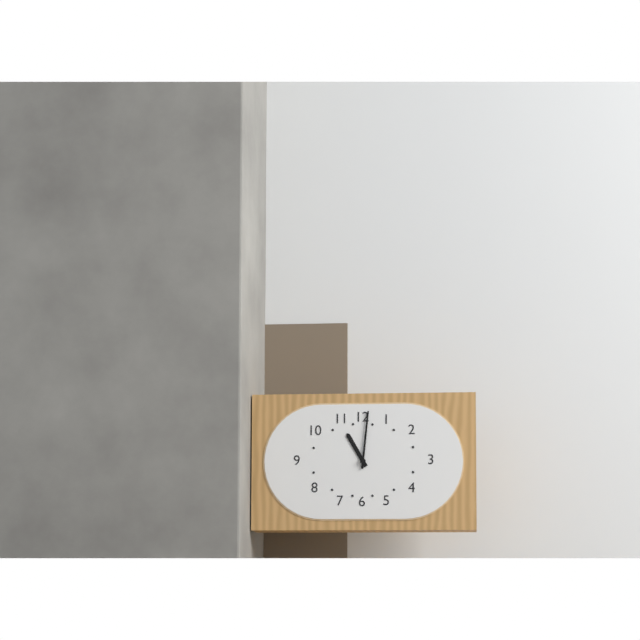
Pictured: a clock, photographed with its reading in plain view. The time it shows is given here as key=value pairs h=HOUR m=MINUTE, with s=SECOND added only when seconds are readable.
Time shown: h=11 m=1
